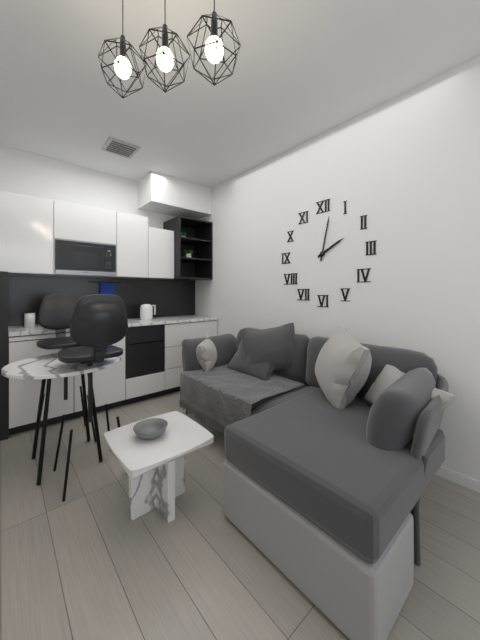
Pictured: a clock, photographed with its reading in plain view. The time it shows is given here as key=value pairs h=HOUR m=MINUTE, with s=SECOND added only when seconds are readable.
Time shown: h=2 m=2
